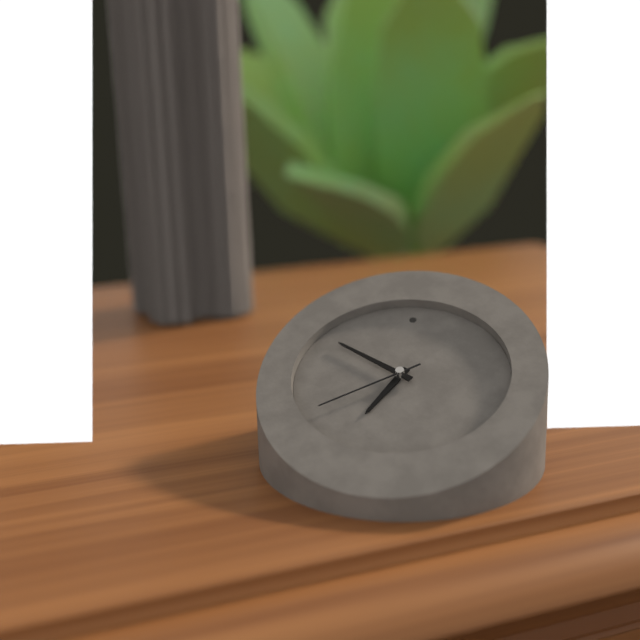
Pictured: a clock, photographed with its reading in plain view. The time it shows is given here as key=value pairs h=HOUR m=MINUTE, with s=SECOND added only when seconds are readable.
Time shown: h=6 m=50 s=39
